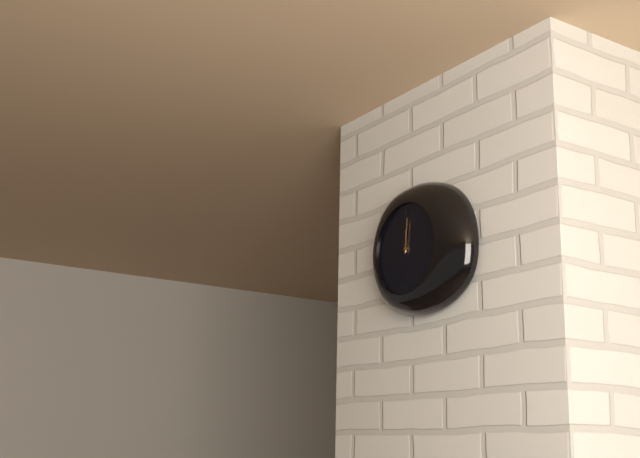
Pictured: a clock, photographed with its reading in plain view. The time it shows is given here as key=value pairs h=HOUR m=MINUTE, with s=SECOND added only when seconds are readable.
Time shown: h=12 m=1
